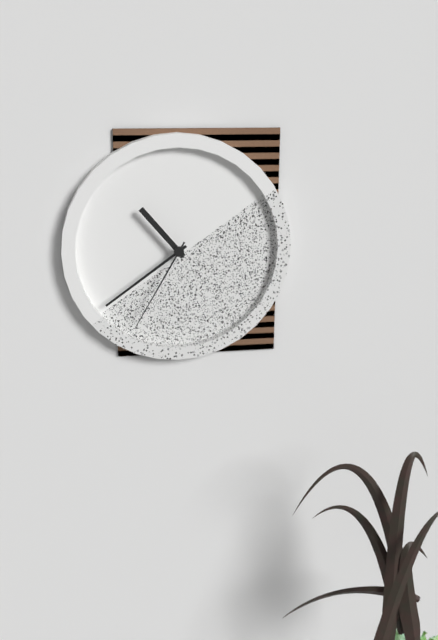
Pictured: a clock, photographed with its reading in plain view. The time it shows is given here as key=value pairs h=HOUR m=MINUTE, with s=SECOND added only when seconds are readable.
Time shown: h=10 m=39 s=35
